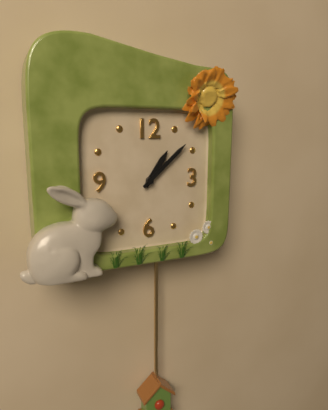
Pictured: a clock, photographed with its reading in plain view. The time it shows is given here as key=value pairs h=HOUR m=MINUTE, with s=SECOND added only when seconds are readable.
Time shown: h=1 m=8
